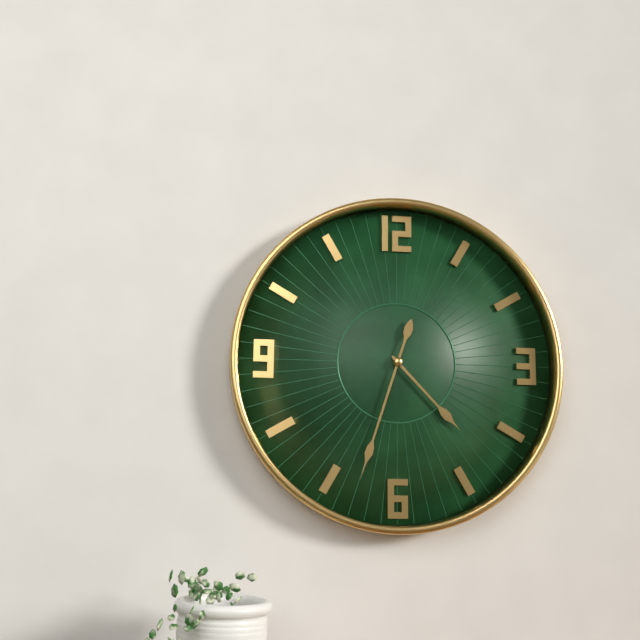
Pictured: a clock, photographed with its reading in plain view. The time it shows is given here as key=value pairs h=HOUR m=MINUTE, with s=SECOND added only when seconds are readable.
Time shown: h=4 m=33
